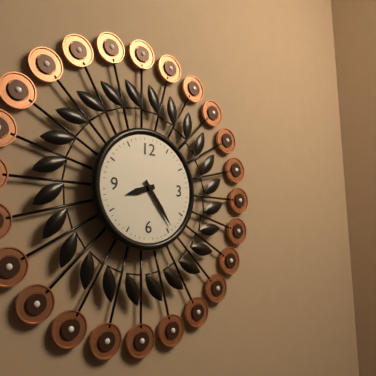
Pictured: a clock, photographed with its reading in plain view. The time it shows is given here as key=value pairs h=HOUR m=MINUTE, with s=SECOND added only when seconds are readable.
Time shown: h=8 m=24
